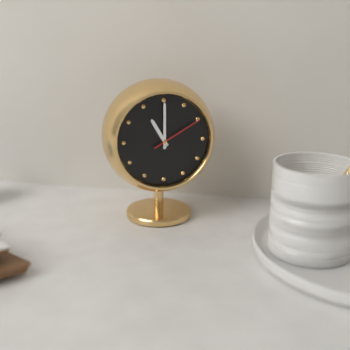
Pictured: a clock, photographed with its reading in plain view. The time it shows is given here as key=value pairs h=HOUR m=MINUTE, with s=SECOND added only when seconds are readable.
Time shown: h=11 m=0 s=10
